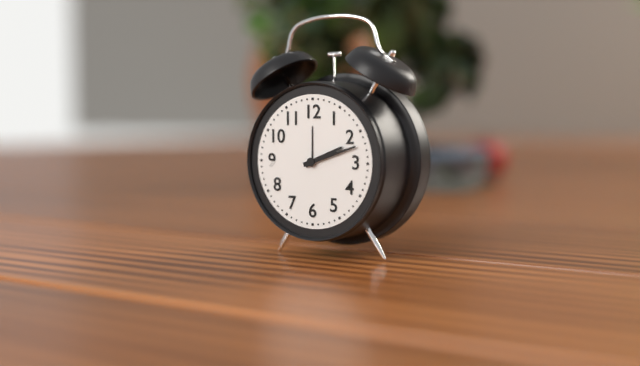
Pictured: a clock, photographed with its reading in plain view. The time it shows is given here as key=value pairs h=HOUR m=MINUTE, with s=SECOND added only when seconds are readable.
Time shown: h=2 m=12
